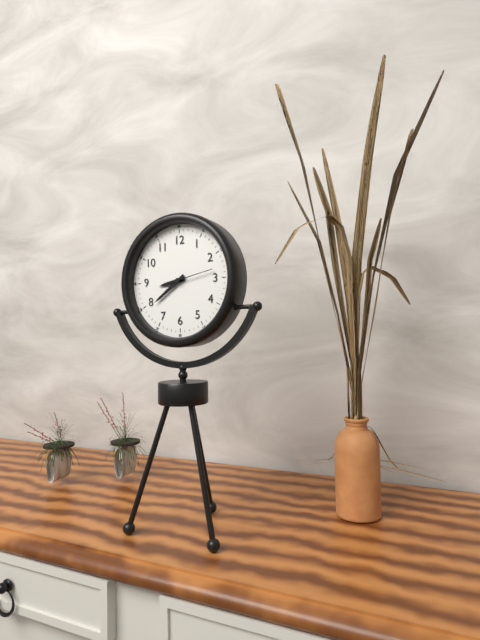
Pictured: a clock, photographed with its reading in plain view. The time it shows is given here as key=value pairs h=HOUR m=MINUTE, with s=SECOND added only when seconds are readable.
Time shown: h=8 m=39
